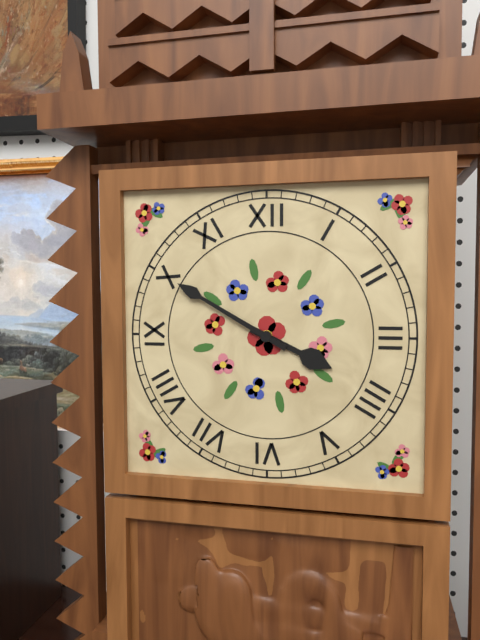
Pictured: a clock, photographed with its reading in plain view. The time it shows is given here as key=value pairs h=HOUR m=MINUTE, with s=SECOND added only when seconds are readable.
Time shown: h=3 m=50
